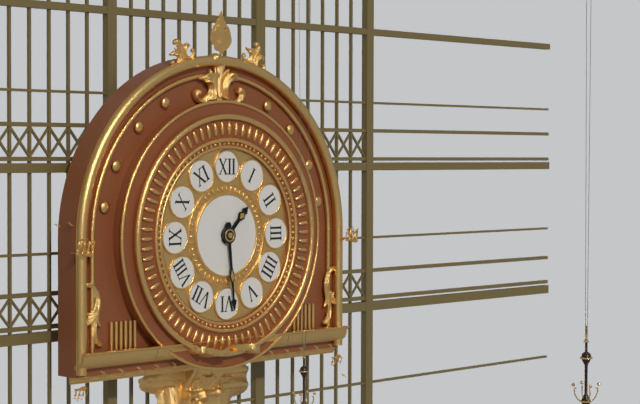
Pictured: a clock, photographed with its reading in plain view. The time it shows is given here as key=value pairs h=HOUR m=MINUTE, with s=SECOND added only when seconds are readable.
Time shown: h=1 m=29
